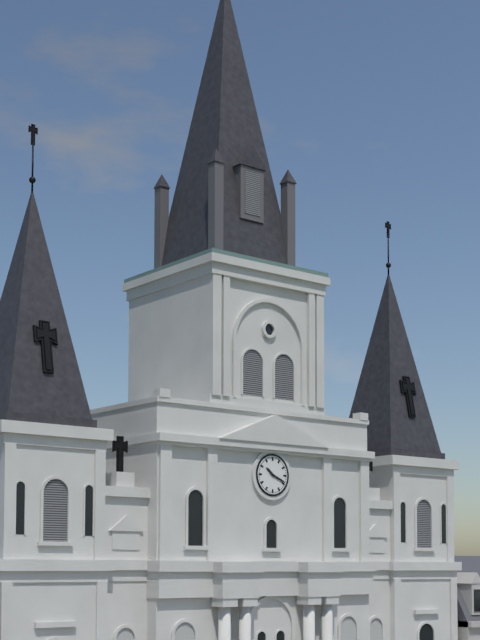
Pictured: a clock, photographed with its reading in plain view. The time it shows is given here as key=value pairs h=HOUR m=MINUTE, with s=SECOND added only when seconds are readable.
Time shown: h=10 m=19
